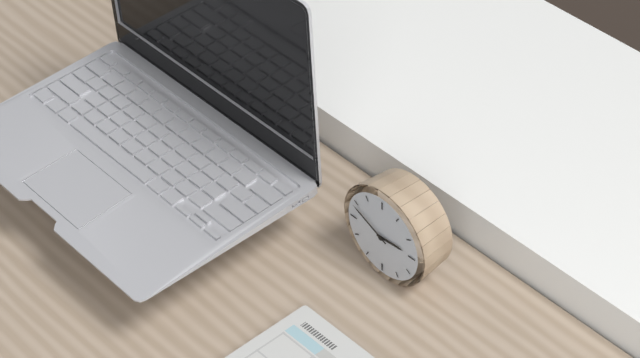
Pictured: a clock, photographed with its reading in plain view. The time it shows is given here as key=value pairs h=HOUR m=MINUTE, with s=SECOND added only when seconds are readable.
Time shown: h=2 m=49
